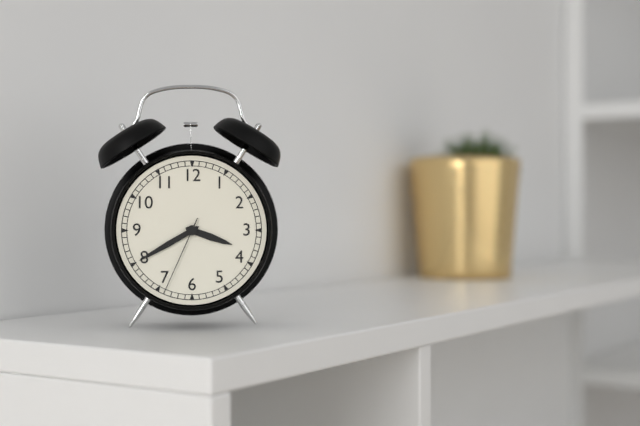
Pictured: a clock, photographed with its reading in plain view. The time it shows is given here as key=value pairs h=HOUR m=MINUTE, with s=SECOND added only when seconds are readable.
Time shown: h=3 m=40 s=34
